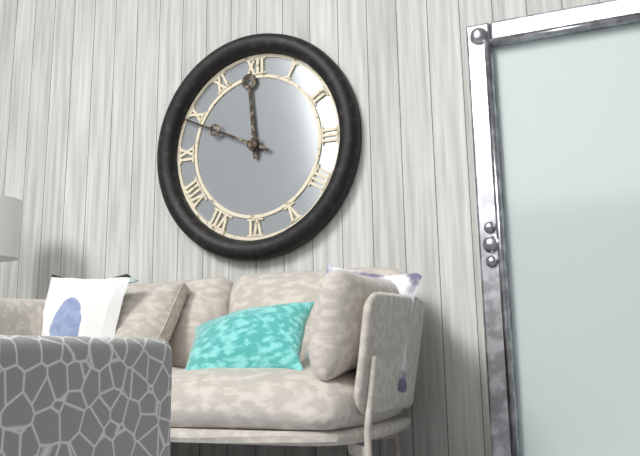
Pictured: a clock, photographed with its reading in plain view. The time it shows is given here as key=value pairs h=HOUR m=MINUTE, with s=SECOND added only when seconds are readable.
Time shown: h=11 m=49
